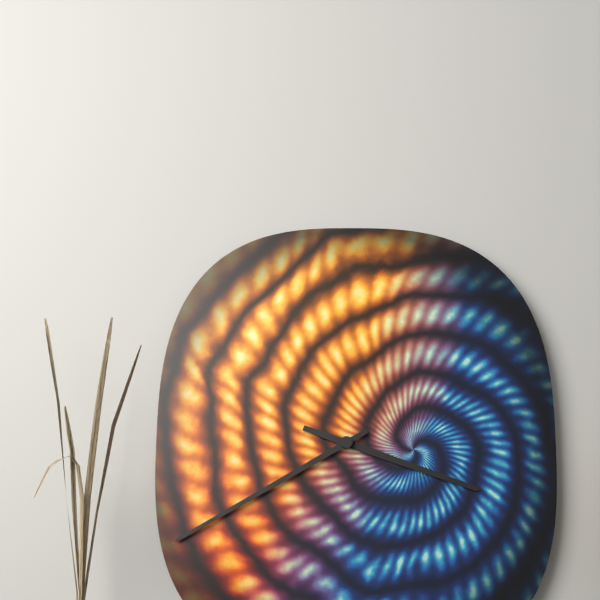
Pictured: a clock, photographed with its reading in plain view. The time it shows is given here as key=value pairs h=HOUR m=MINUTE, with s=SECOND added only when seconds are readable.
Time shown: h=3 m=40
